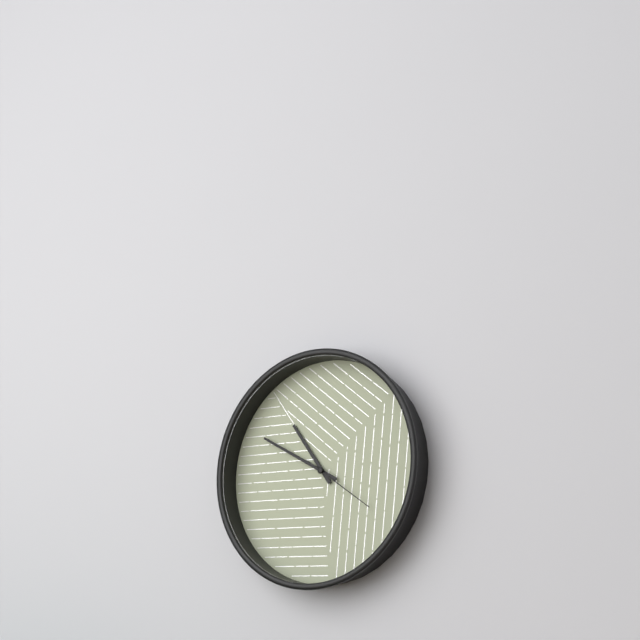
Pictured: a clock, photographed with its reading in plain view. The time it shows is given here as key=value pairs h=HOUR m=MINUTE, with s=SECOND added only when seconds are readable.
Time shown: h=10 m=50 s=21
